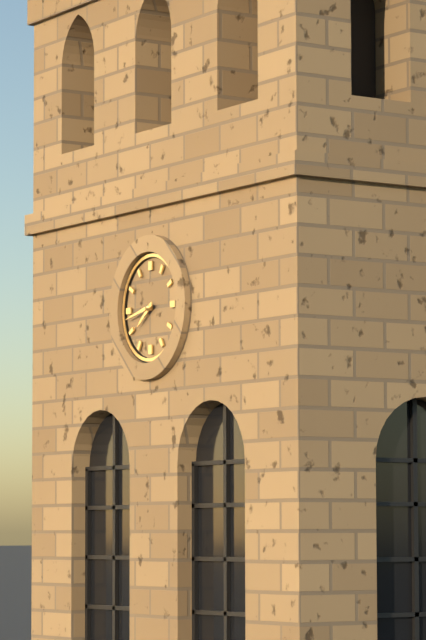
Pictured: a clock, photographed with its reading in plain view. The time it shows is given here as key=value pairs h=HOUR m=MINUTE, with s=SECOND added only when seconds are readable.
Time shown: h=7 m=43
